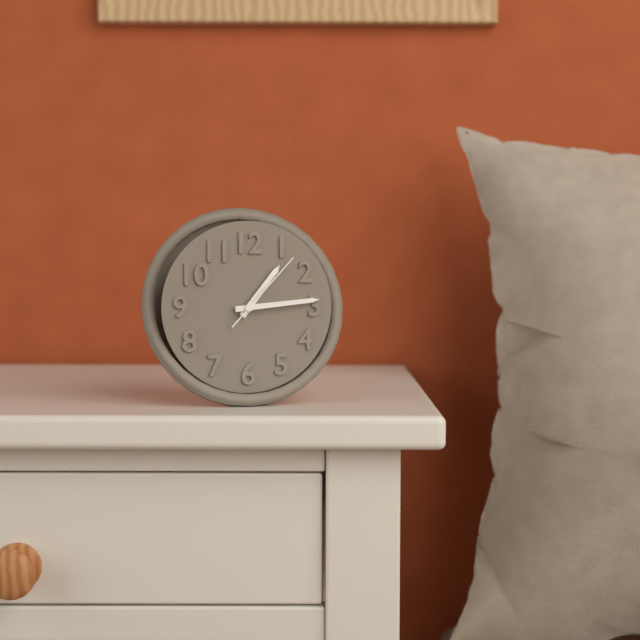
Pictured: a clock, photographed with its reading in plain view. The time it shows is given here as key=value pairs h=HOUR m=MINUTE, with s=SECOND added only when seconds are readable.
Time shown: h=1 m=14 s=7
